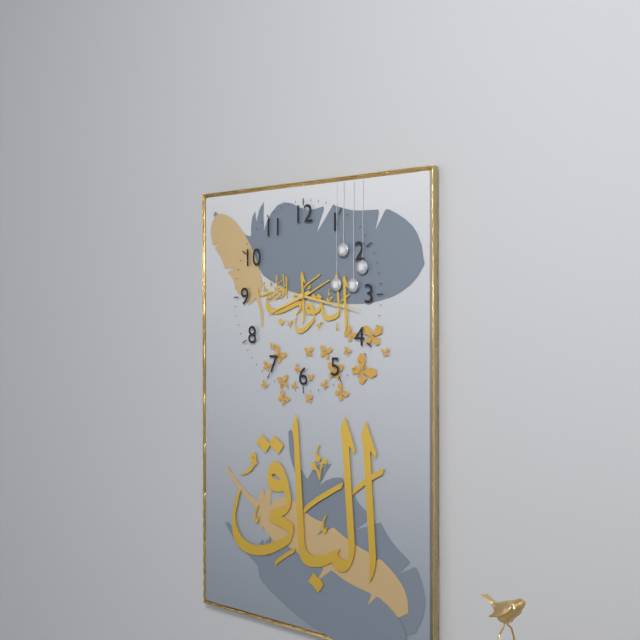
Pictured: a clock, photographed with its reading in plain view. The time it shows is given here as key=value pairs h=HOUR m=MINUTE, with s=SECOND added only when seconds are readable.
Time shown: h=8 m=17
